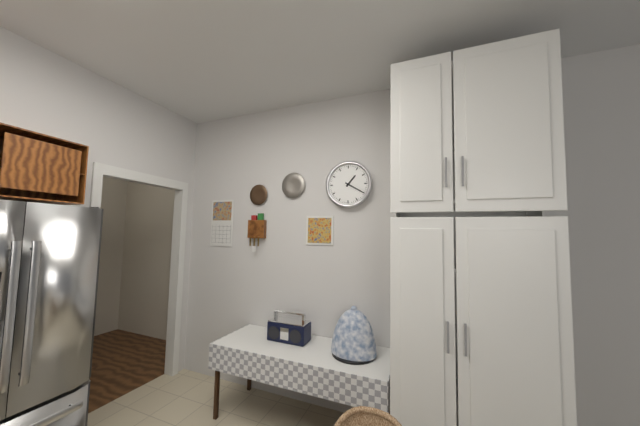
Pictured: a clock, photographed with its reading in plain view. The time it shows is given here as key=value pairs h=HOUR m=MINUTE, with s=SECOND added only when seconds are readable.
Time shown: h=1 m=20
